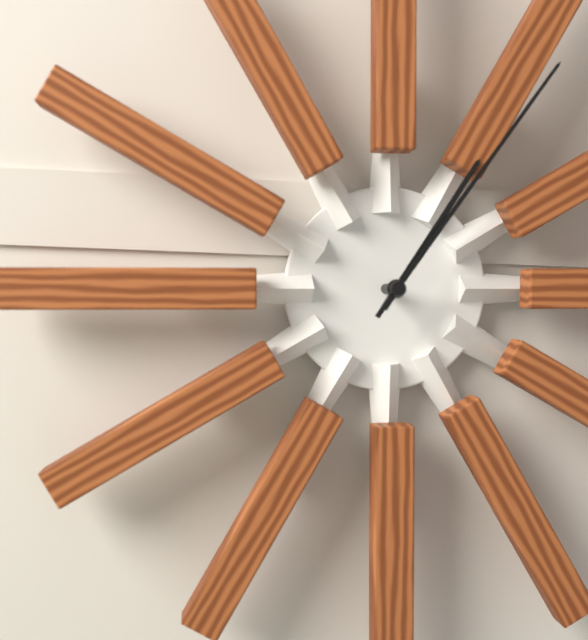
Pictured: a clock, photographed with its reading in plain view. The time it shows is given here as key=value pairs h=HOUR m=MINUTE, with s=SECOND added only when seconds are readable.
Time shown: h=1 m=6
